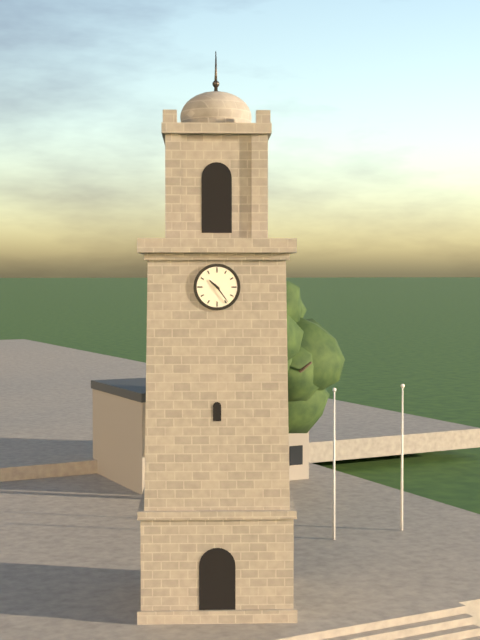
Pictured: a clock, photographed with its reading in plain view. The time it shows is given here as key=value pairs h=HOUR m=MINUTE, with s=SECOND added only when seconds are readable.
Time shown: h=10 m=24
